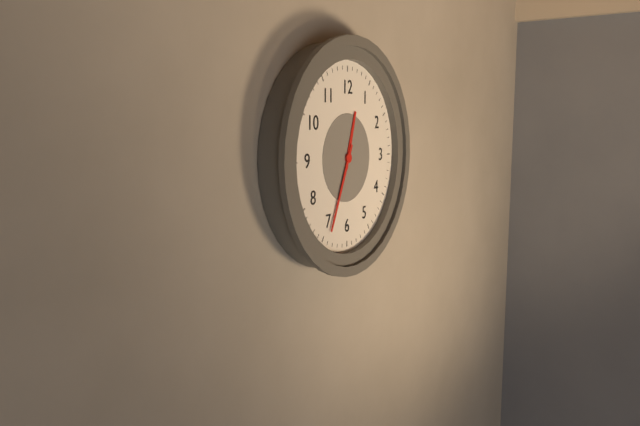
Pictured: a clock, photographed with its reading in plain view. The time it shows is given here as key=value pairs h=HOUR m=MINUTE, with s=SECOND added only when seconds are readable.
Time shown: h=12 m=34
